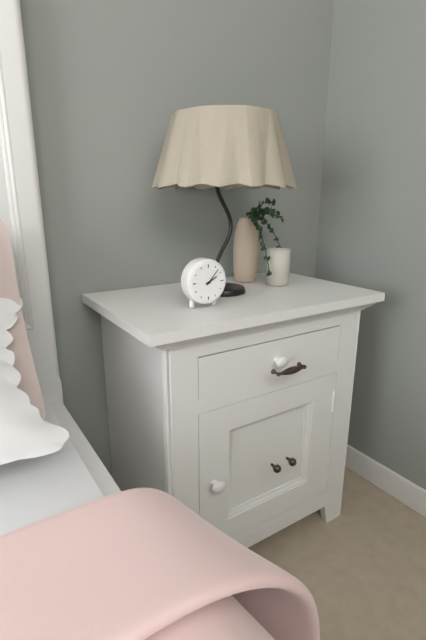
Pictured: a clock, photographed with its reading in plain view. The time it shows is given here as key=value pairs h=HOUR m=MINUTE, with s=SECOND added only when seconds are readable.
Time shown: h=2 m=7
